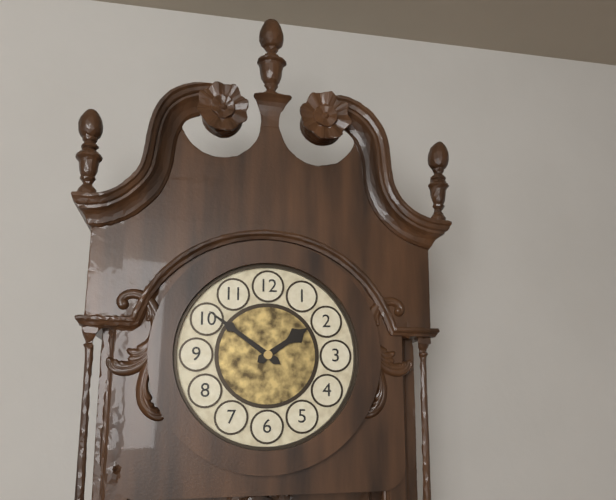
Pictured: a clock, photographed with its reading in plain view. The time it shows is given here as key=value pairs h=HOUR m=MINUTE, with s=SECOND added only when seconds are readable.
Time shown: h=1 m=51
